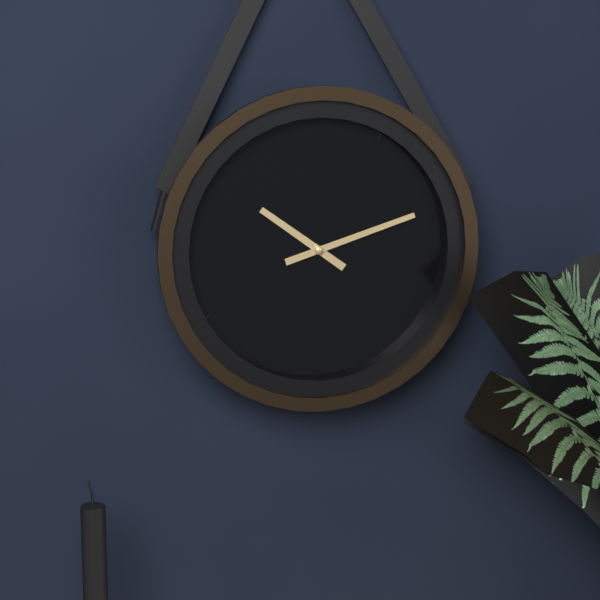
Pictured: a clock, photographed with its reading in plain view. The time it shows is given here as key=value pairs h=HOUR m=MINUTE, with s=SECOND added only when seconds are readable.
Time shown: h=10 m=12
